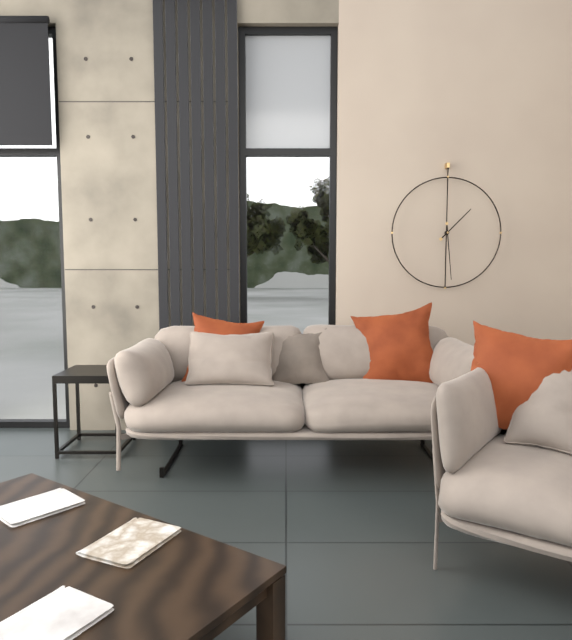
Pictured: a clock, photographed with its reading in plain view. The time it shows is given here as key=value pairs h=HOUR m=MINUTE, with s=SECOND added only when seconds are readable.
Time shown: h=1 m=29
